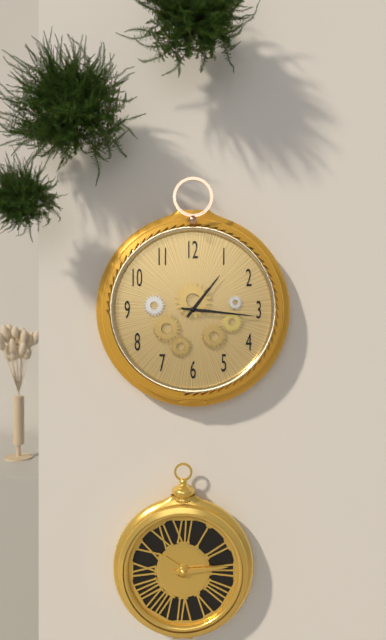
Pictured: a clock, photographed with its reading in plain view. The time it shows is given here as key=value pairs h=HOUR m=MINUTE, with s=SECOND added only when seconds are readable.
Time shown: h=1 m=16
